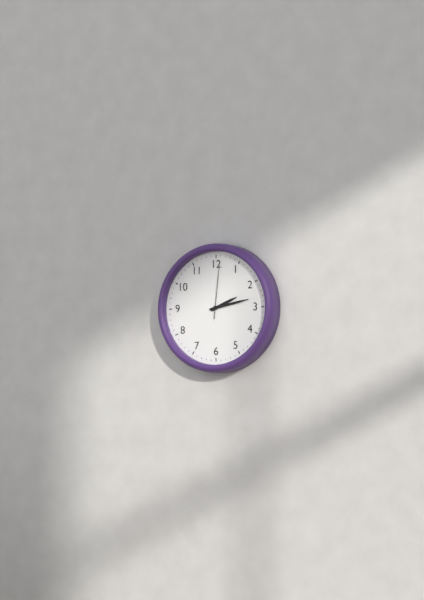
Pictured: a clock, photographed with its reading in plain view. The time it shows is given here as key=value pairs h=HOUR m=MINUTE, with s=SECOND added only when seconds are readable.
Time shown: h=2 m=13 s=1
